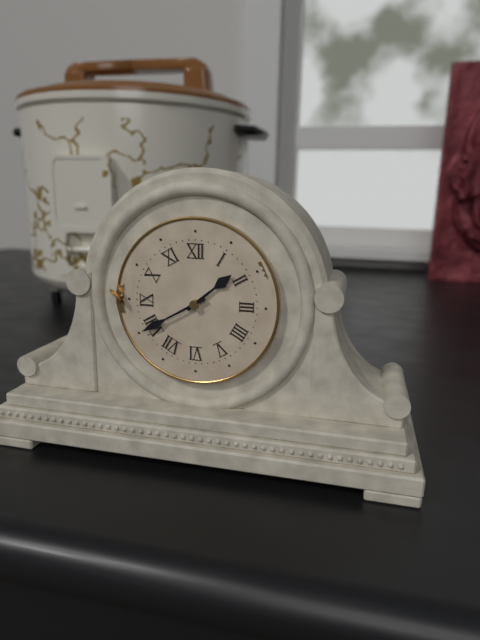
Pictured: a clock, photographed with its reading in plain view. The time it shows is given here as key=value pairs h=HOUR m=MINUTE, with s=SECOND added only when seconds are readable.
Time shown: h=1 m=40
